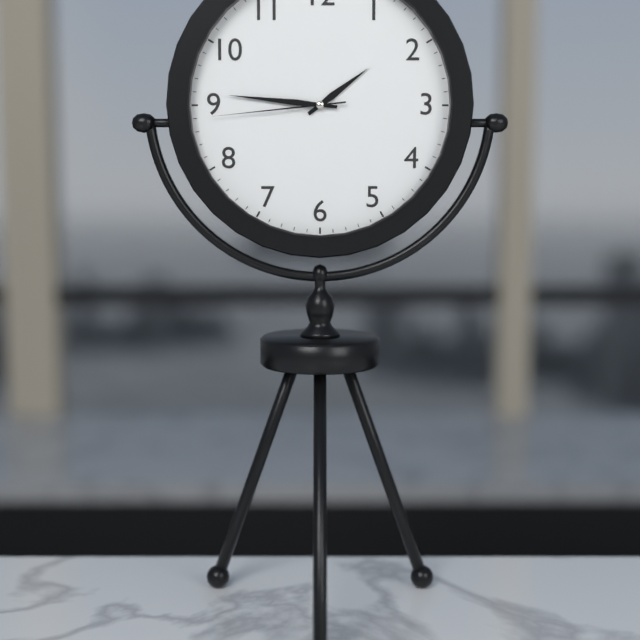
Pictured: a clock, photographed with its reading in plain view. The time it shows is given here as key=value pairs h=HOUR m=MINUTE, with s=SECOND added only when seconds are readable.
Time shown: h=1 m=46 s=44
